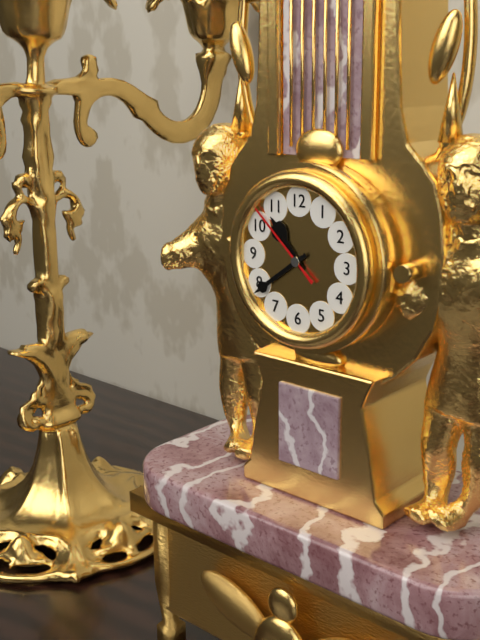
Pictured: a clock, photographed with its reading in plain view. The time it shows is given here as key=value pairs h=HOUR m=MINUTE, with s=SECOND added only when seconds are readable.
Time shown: h=10 m=39 s=52
